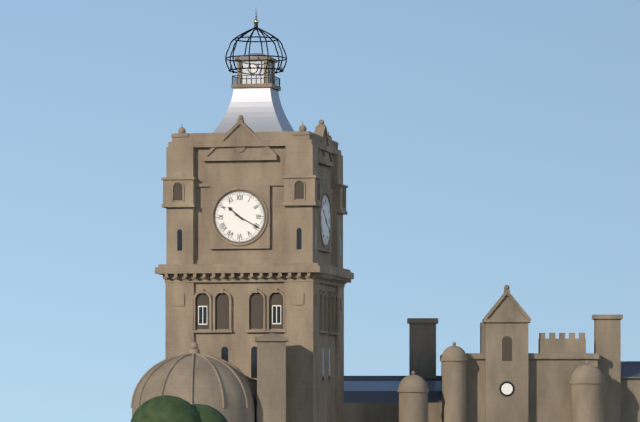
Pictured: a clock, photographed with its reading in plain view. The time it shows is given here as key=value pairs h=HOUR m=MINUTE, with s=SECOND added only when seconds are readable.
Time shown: h=10 m=20
